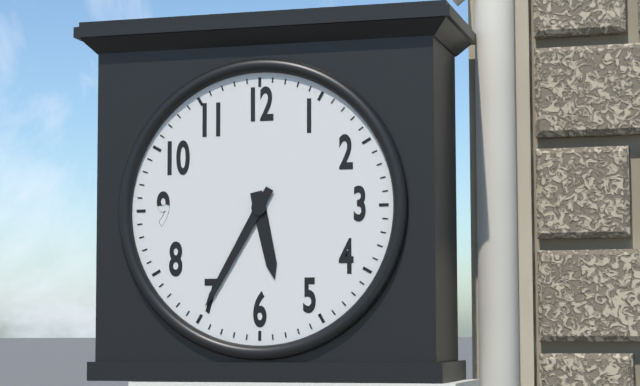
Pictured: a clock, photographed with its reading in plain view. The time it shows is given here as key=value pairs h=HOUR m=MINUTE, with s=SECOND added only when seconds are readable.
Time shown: h=5 m=35
